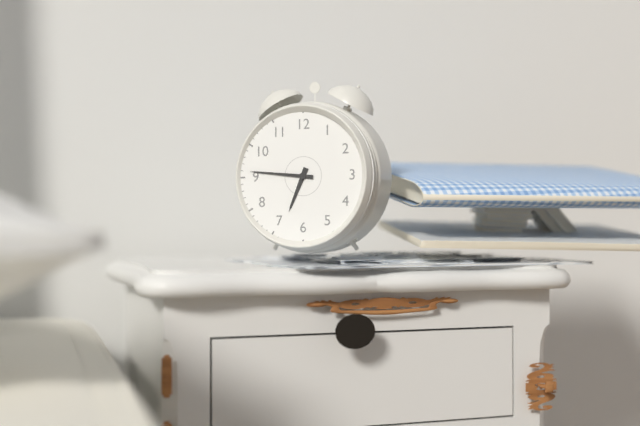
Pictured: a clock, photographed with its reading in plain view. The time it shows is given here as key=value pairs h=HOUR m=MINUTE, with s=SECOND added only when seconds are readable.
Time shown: h=6 m=46
